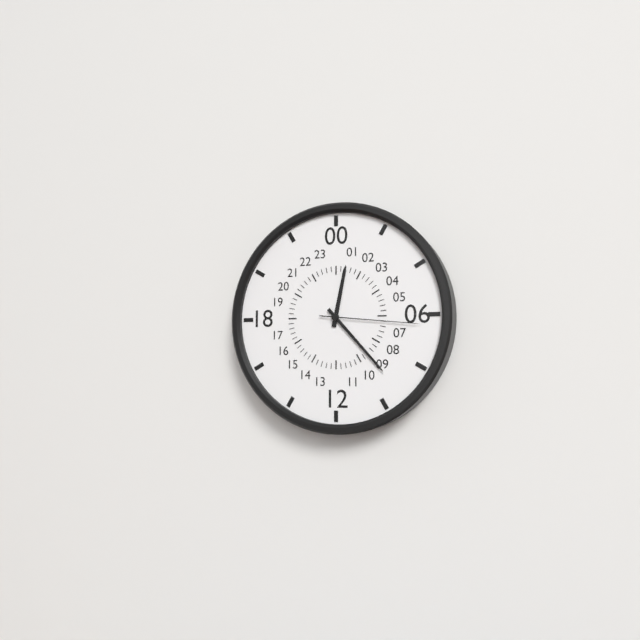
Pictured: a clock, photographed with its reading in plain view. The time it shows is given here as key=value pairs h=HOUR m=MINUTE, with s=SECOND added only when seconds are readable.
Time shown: h=12 m=23 s=16
